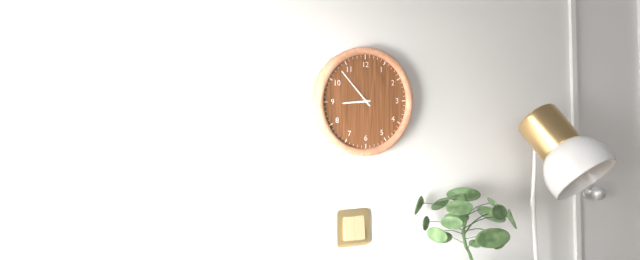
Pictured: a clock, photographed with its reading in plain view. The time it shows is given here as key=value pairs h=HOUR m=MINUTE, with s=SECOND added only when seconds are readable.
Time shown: h=8 m=53
